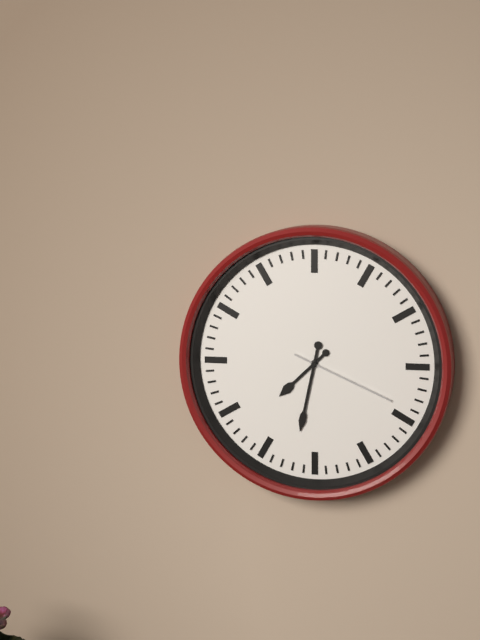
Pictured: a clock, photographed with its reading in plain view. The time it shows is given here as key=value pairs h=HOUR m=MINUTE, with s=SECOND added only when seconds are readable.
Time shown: h=7 m=32 s=19
